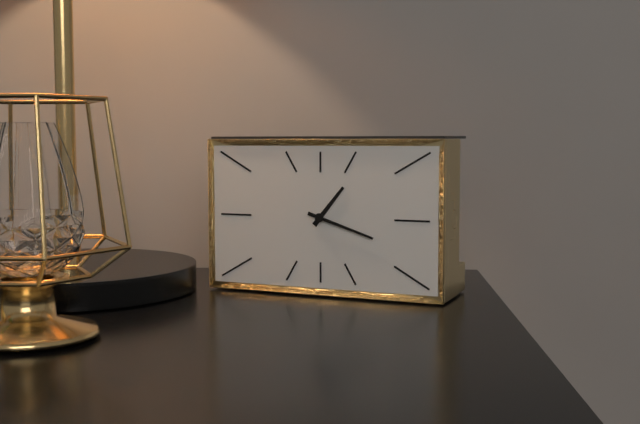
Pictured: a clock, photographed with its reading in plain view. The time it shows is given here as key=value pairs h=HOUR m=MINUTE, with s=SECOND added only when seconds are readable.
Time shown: h=1 m=18
